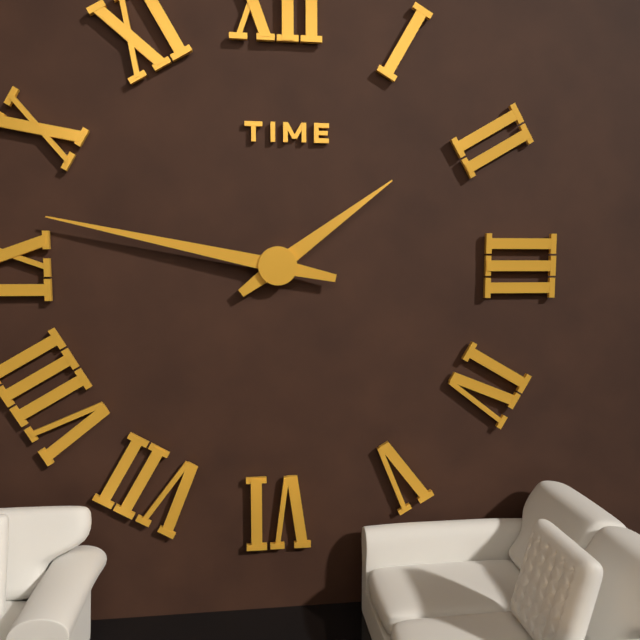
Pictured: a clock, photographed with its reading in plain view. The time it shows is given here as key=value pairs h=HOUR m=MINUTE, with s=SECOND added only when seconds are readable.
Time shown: h=1 m=47
